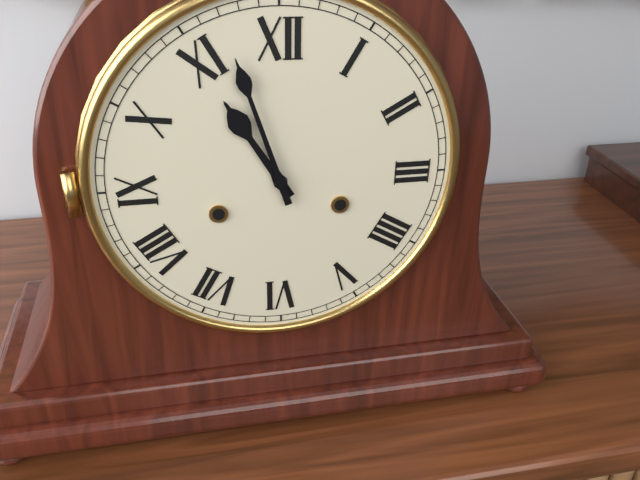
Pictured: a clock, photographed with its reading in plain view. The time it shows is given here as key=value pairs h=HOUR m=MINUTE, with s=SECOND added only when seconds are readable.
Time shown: h=10 m=57
